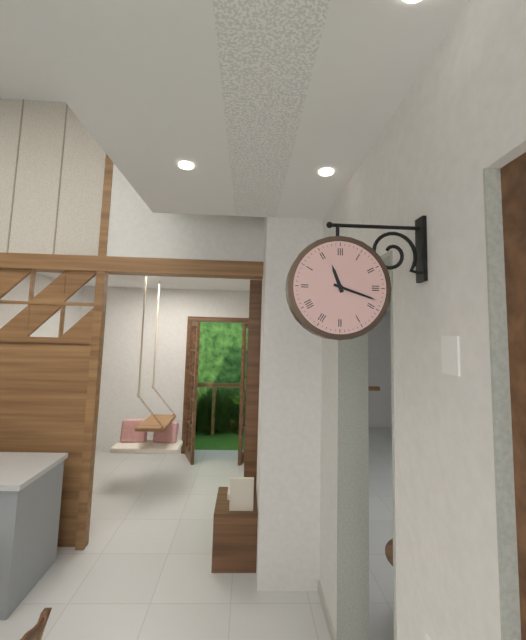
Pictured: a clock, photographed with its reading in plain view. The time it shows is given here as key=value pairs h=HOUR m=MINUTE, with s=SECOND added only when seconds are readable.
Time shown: h=11 m=18
